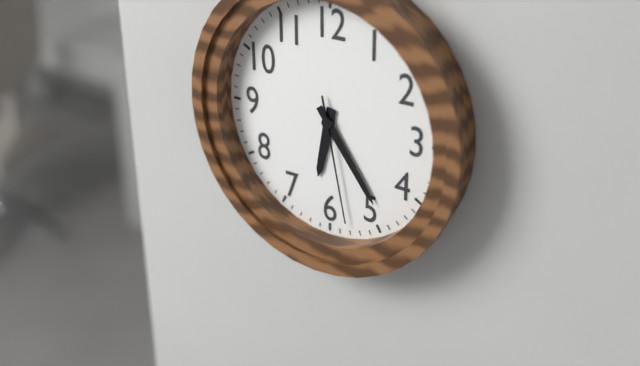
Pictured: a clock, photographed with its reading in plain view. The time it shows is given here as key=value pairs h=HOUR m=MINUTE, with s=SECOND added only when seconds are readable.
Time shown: h=6 m=24 s=28
